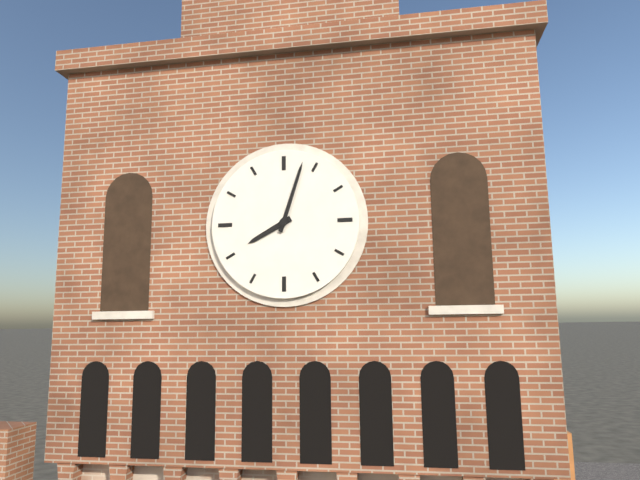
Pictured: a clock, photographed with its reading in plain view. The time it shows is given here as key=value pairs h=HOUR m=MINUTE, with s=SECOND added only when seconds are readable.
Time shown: h=8 m=3
